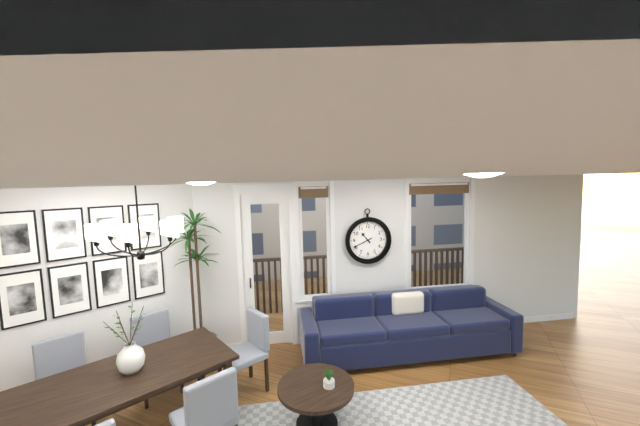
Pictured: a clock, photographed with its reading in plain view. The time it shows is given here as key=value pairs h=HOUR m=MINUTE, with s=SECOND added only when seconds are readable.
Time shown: h=10 m=41
